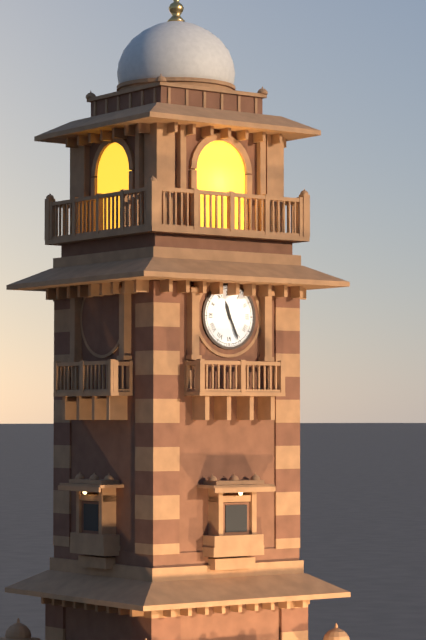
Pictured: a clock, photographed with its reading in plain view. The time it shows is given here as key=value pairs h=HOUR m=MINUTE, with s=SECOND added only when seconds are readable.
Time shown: h=11 m=26
